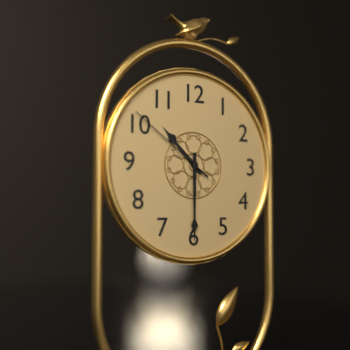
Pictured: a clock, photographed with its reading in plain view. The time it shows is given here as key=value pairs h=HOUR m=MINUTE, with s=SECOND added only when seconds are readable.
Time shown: h=10 m=30 s=51
